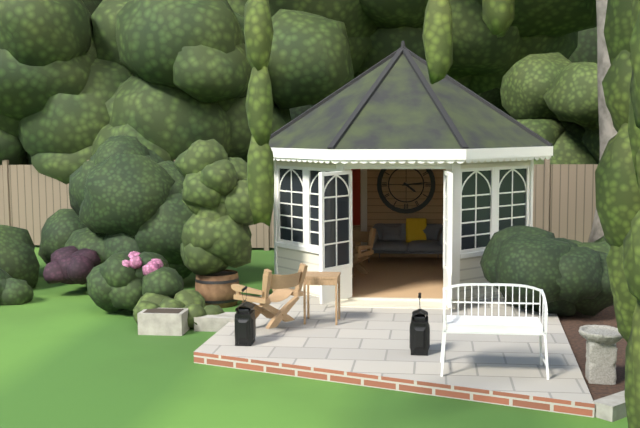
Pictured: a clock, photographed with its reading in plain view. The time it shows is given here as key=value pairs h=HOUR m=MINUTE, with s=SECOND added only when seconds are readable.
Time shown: h=4 m=14
